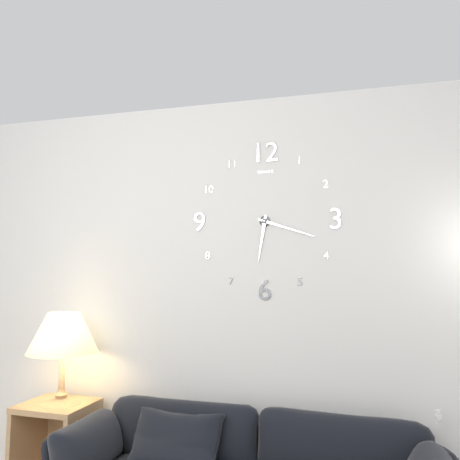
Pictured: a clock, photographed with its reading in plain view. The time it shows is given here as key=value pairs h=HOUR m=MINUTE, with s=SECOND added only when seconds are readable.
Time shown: h=6 m=18
